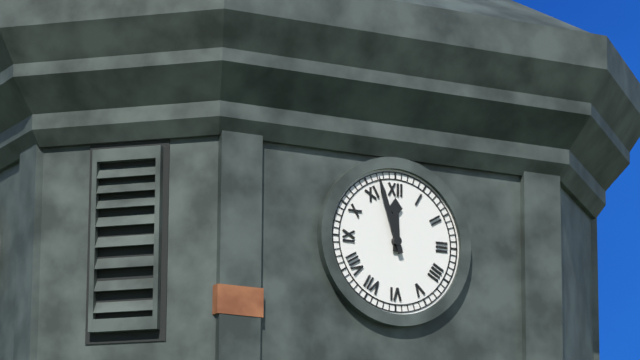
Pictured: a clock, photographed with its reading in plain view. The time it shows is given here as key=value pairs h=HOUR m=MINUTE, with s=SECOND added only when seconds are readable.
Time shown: h=11 m=57
